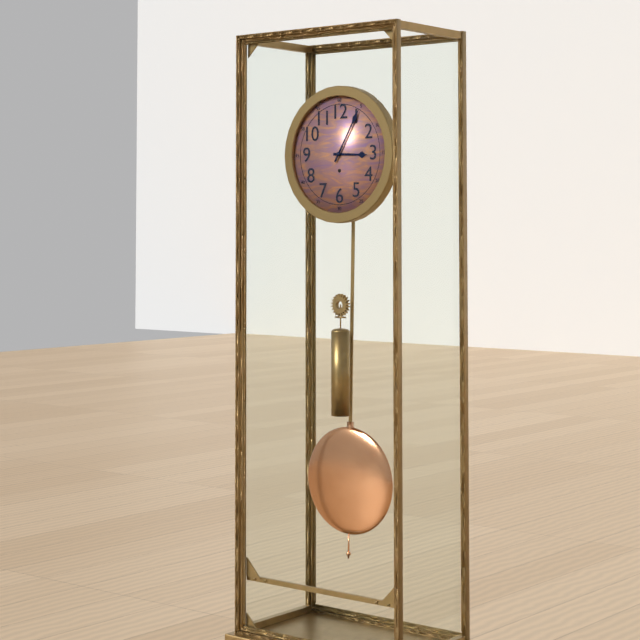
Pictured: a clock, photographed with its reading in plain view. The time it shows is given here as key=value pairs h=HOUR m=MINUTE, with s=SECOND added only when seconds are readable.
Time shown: h=3 m=5
